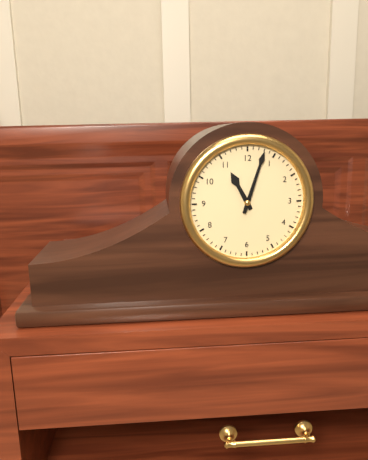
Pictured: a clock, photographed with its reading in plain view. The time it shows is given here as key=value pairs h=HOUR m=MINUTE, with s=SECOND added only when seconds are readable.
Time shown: h=11 m=3
